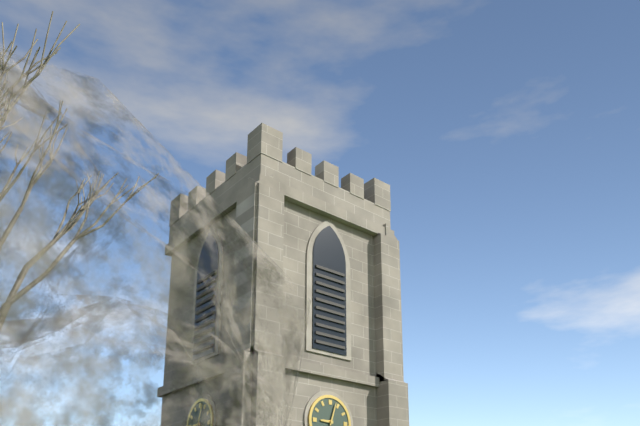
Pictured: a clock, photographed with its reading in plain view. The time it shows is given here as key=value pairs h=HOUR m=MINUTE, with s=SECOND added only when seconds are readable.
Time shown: h=9 m=3
